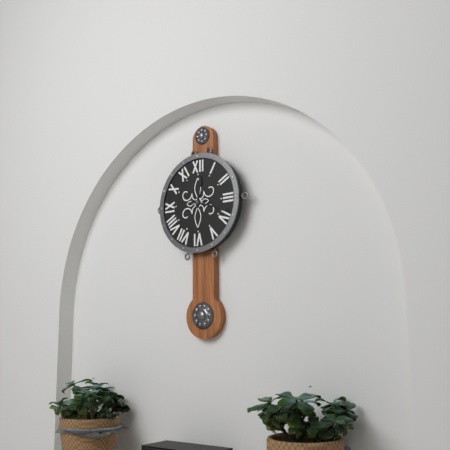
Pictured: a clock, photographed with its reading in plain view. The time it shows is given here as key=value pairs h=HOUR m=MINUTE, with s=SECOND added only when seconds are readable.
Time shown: h=12 m=18
